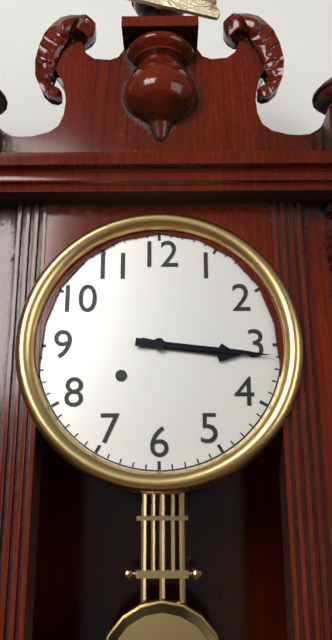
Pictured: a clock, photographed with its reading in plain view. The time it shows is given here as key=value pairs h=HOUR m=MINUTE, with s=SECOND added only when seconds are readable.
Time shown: h=3 m=16
